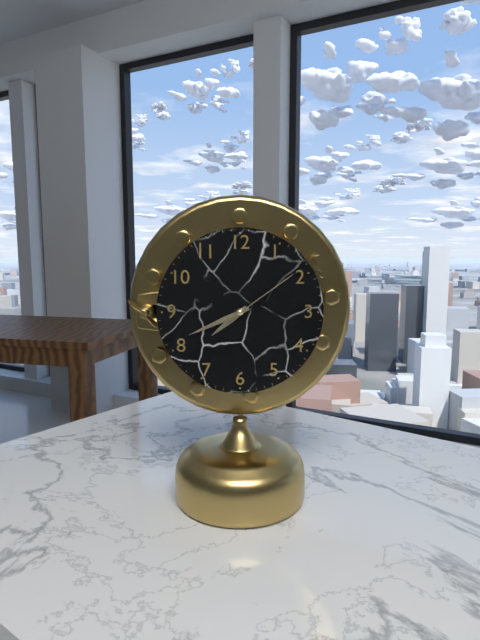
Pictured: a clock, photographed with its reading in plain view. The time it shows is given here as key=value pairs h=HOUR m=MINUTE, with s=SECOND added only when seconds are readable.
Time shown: h=7 m=41 s=9
